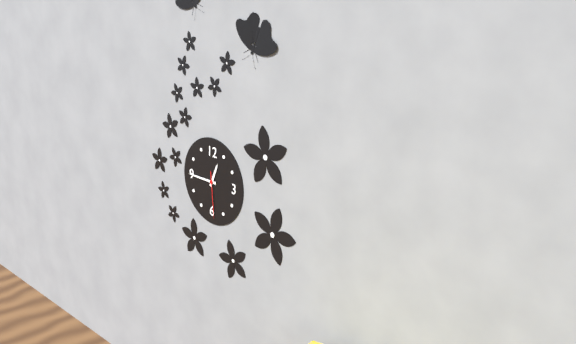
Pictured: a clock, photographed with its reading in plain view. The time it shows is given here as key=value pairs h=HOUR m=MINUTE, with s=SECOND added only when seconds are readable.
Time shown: h=12 m=45
